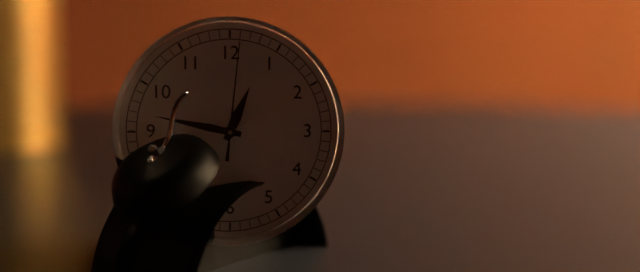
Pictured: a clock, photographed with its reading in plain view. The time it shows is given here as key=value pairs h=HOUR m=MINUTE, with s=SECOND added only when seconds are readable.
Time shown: h=12 m=47 s=1
